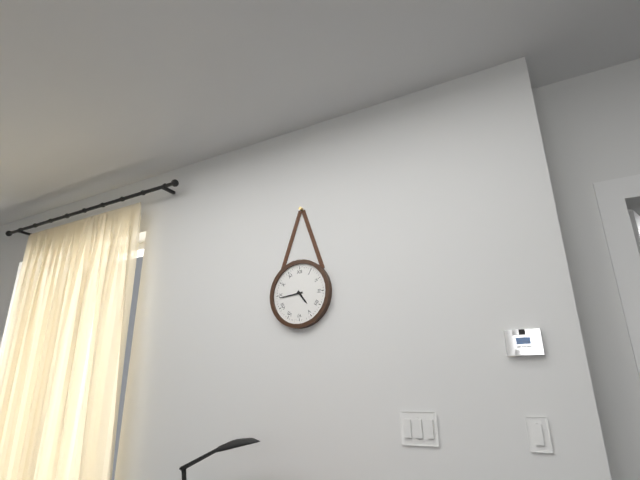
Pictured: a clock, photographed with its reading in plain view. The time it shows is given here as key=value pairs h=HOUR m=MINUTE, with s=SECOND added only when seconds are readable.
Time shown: h=4 m=44
